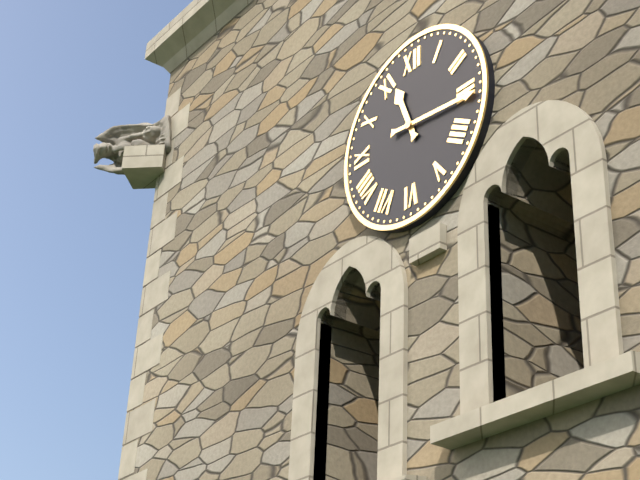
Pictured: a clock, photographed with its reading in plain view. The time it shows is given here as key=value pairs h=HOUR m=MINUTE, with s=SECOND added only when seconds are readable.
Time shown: h=11 m=16
